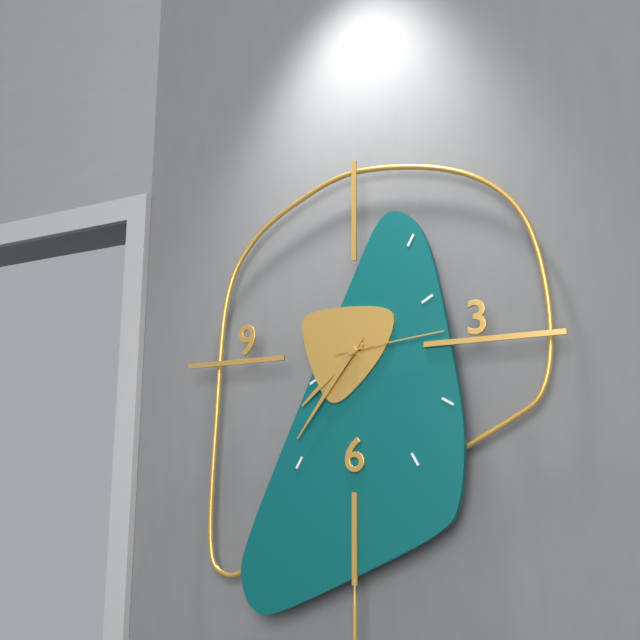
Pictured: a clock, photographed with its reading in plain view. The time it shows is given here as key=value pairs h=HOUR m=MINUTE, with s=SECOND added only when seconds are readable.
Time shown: h=7 m=36 s=14
